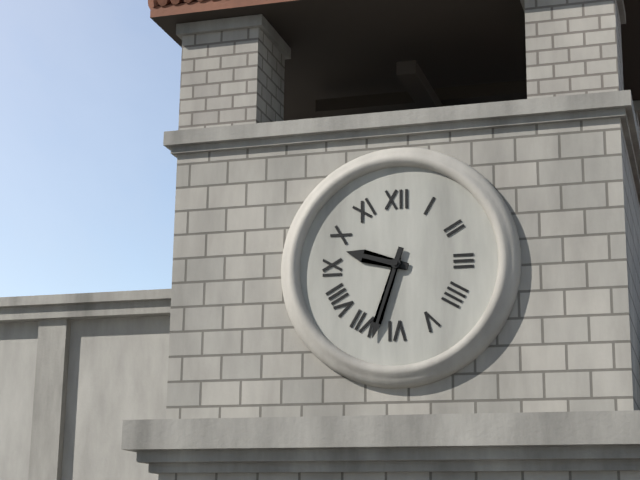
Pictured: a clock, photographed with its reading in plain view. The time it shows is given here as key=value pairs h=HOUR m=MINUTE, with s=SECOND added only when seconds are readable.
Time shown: h=9 m=33
